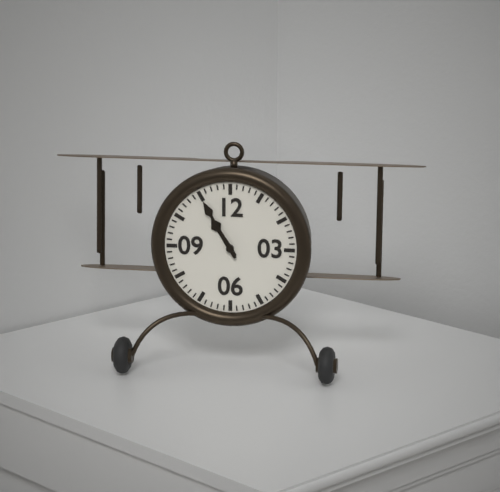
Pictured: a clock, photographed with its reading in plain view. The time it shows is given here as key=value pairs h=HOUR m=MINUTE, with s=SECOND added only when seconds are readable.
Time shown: h=10 m=55
